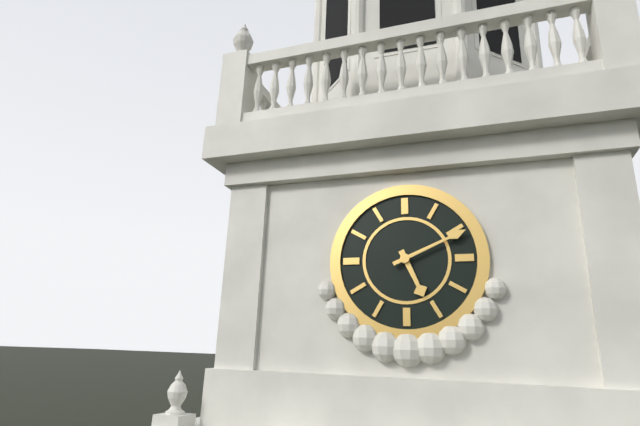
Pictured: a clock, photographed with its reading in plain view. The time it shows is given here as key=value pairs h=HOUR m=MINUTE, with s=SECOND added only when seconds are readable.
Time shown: h=5 m=11
